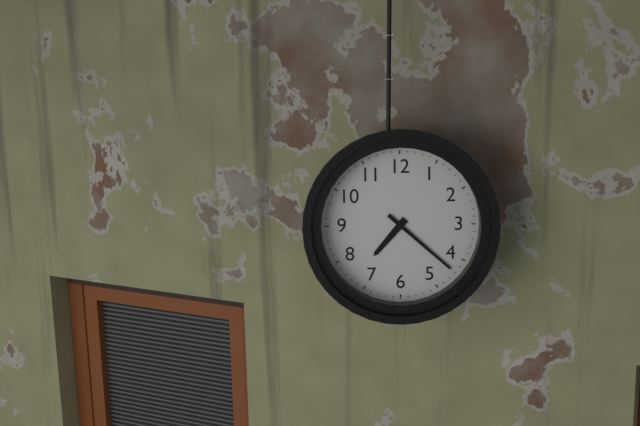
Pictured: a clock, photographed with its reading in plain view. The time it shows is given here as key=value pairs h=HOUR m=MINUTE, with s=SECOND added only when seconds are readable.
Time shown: h=7 m=22
